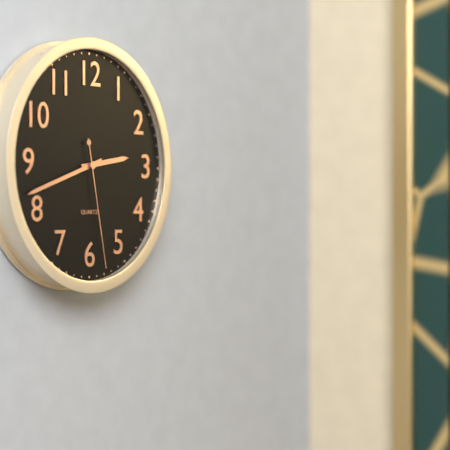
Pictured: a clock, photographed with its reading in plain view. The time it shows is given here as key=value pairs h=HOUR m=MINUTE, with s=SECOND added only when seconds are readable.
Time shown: h=2 m=42 s=28
